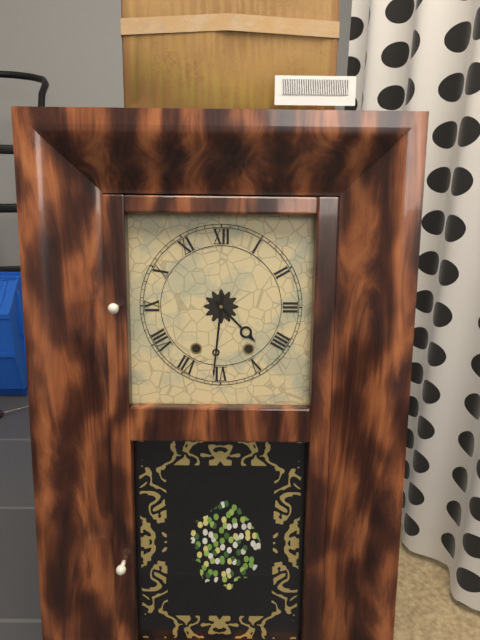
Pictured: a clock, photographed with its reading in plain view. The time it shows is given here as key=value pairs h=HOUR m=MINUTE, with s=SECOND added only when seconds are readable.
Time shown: h=4 m=31
